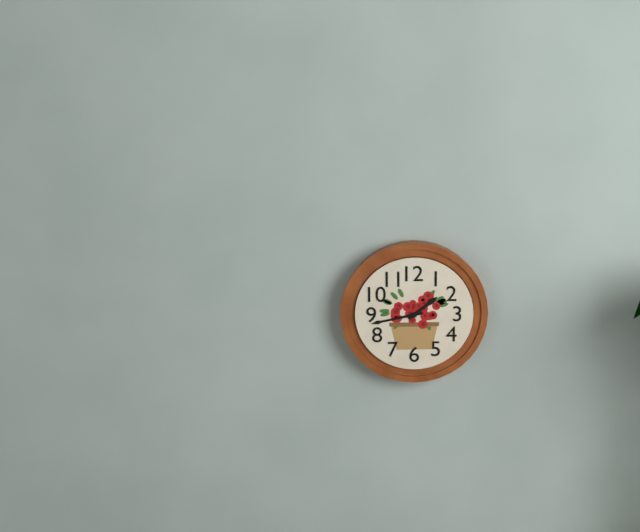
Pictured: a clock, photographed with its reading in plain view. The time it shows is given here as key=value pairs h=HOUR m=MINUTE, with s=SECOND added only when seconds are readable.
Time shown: h=1 m=43
